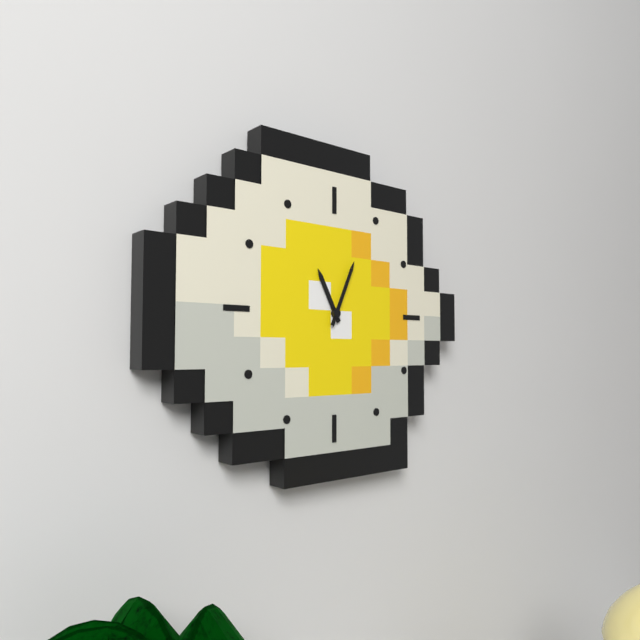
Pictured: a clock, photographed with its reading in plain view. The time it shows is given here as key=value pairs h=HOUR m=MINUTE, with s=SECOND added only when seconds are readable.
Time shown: h=11 m=4
